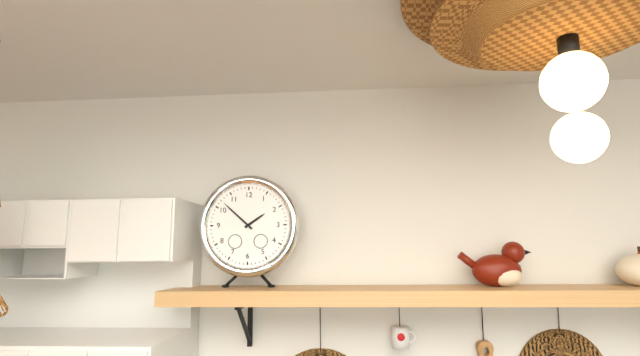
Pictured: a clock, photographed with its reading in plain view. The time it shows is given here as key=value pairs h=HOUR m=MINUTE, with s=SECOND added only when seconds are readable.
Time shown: h=1 m=52
